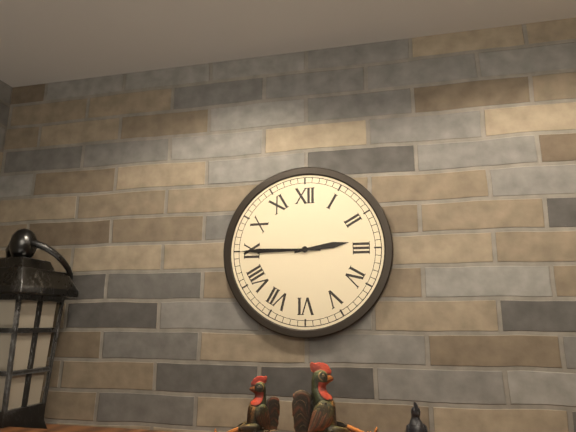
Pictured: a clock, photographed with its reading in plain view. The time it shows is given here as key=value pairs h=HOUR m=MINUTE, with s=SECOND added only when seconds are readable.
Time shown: h=2 m=45
